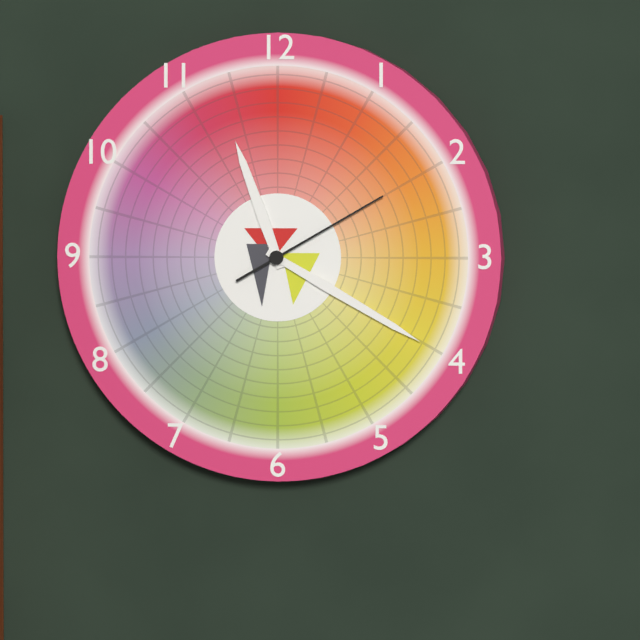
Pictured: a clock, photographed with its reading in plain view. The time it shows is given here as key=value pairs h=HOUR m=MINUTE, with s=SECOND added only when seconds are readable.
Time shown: h=11 m=20 s=10
